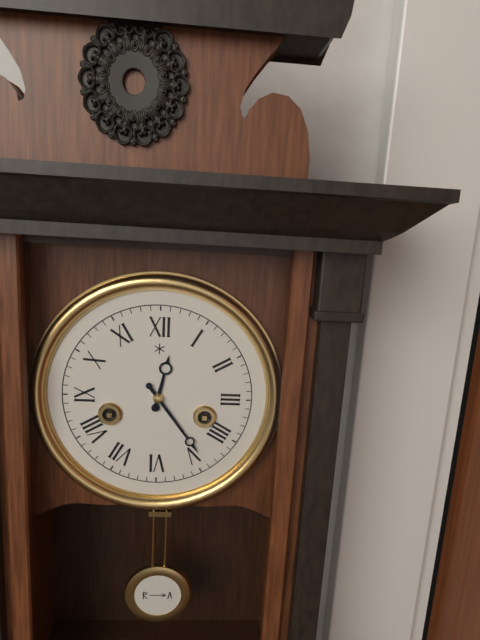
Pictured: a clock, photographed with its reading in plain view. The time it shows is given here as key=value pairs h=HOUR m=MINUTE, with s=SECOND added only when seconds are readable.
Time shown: h=12 m=24
